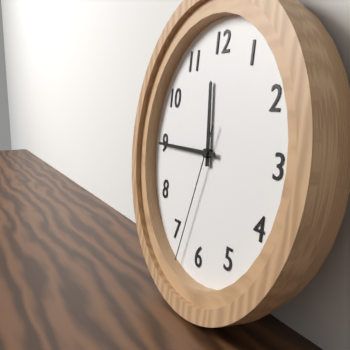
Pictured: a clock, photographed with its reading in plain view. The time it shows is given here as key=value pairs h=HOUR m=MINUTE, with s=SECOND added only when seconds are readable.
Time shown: h=11 m=45 s=33
